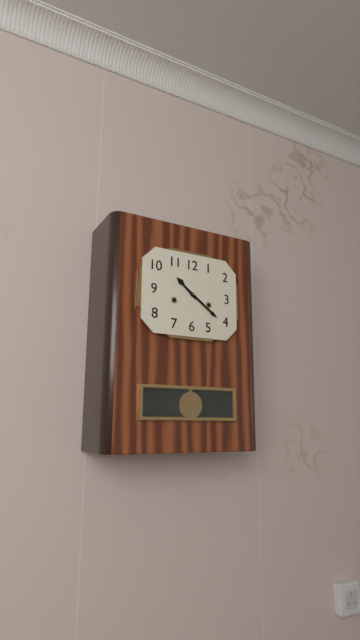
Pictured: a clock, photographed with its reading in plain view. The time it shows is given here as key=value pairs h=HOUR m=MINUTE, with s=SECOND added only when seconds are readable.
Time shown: h=10 m=21
